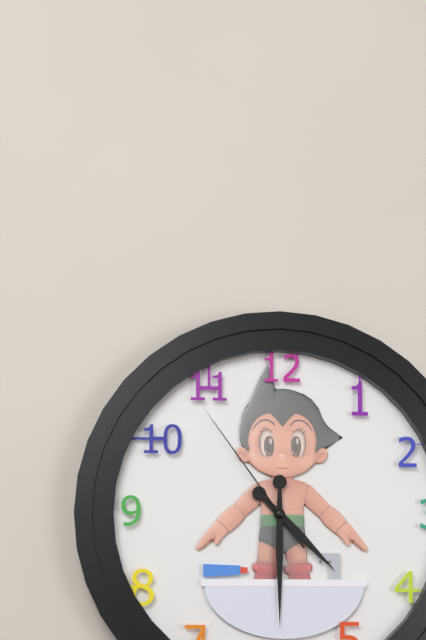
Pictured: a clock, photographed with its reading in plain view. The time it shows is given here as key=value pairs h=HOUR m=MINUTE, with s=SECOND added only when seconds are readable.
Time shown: h=4 m=30 s=54
